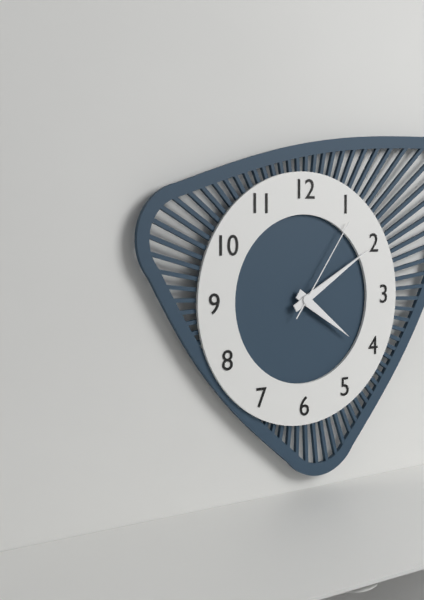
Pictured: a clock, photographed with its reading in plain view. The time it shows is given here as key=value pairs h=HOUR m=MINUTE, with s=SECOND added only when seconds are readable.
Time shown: h=4 m=10 s=6
